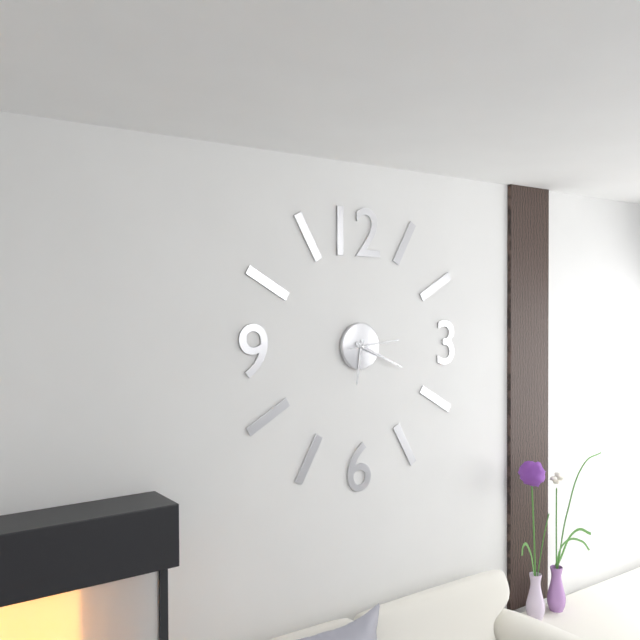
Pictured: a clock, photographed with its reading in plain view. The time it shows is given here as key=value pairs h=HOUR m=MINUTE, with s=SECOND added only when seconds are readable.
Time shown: h=6 m=19
